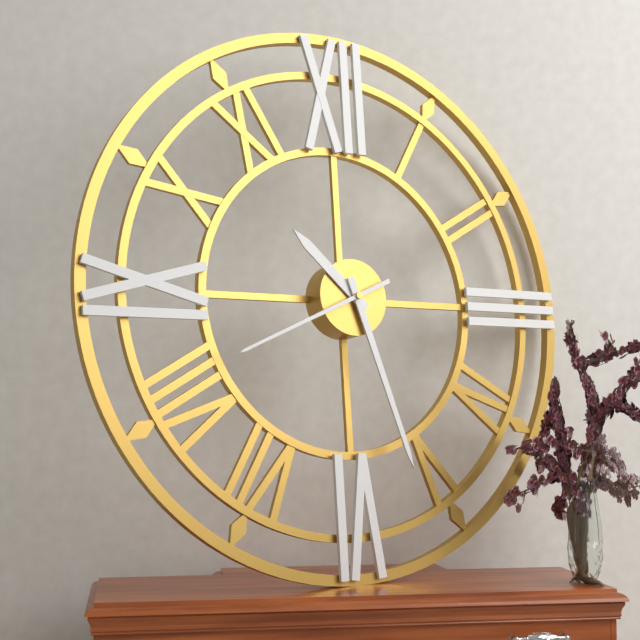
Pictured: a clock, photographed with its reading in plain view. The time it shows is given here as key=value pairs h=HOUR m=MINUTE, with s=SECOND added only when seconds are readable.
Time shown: h=10 m=27 s=41
